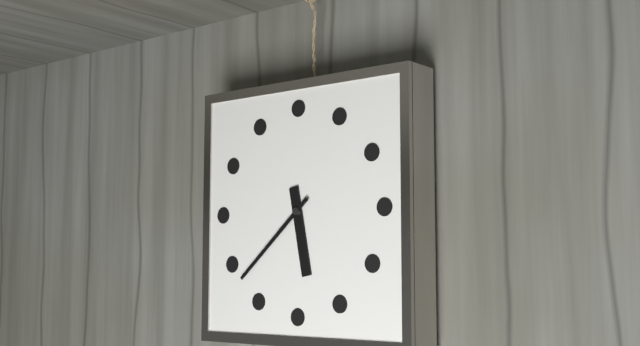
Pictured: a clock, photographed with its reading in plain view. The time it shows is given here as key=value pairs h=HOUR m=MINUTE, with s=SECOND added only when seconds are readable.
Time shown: h=5 m=38
